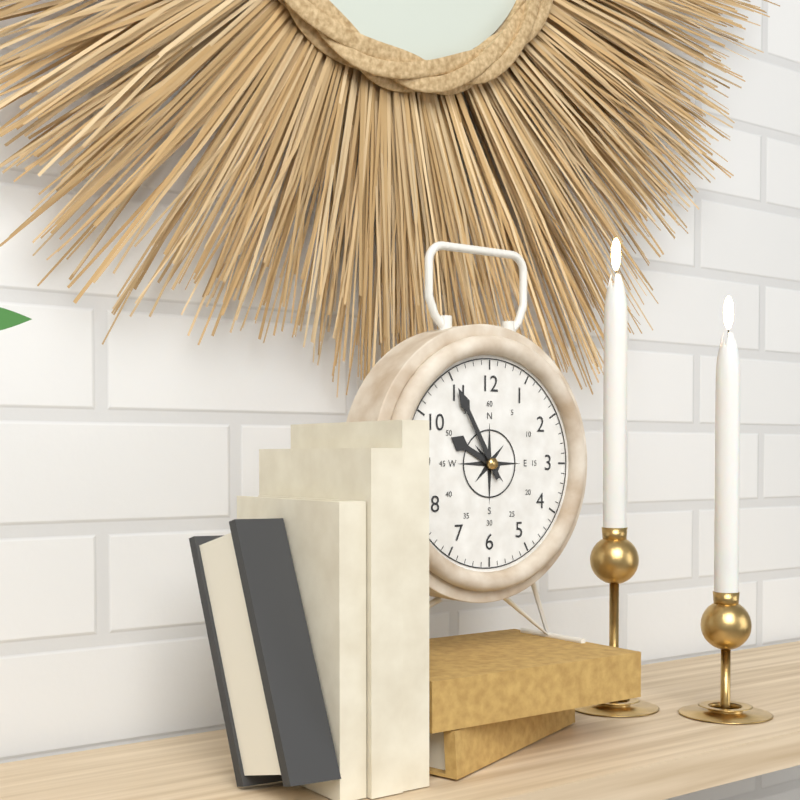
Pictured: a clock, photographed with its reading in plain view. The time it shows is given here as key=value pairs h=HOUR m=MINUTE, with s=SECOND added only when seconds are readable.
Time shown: h=9 m=55
